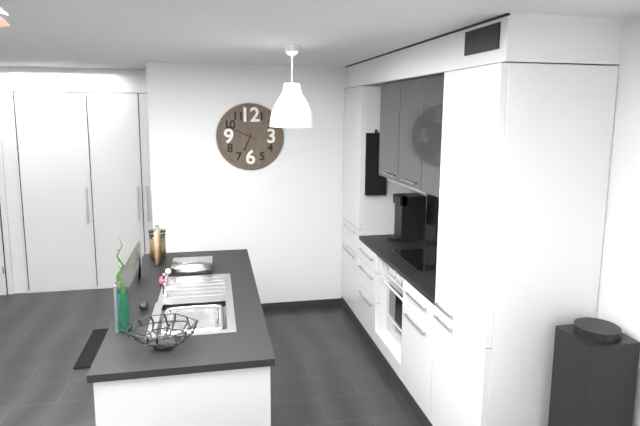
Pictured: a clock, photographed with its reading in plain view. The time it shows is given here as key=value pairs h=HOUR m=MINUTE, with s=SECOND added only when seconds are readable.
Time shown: h=6 m=49
